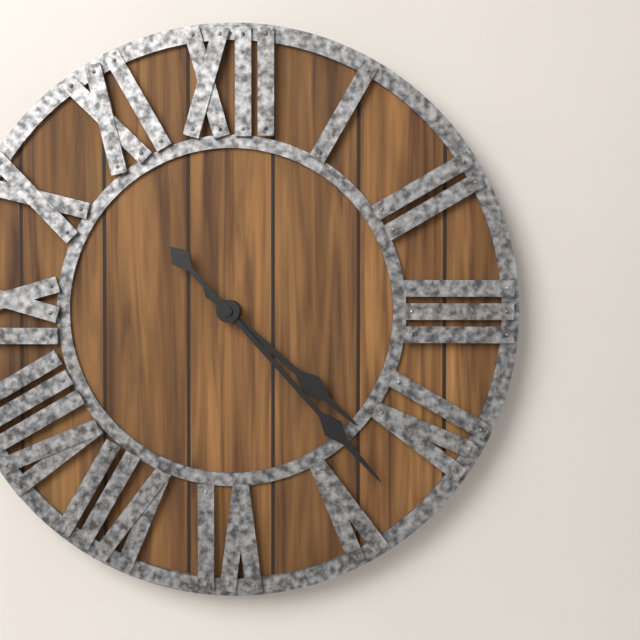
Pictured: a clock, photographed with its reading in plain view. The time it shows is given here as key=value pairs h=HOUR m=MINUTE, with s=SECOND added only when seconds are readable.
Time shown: h=4 m=23
